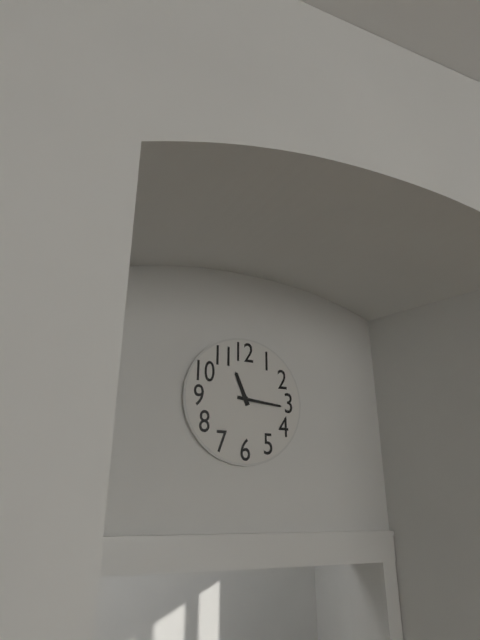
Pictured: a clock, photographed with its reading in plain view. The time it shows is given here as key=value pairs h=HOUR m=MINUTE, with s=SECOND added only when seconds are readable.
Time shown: h=11 m=16
